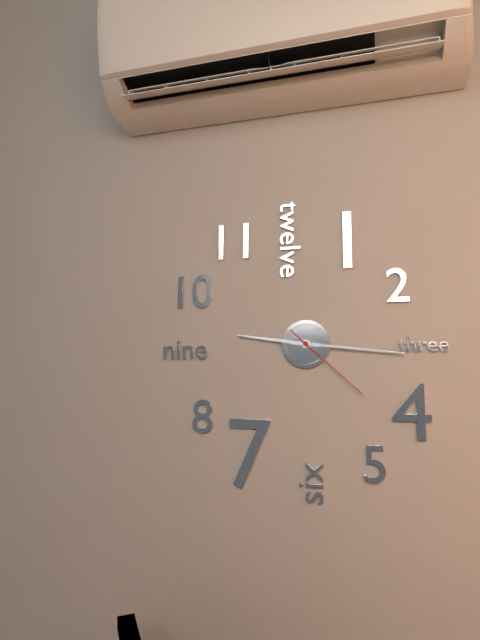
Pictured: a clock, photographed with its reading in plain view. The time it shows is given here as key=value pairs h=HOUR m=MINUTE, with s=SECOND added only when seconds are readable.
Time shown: h=9 m=16 s=22
